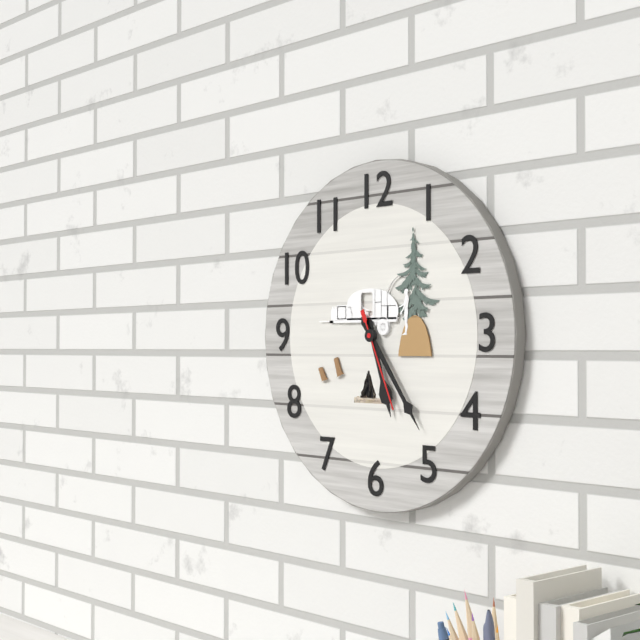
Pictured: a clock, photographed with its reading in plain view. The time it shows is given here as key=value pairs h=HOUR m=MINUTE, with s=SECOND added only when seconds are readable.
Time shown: h=5 m=24 s=26
